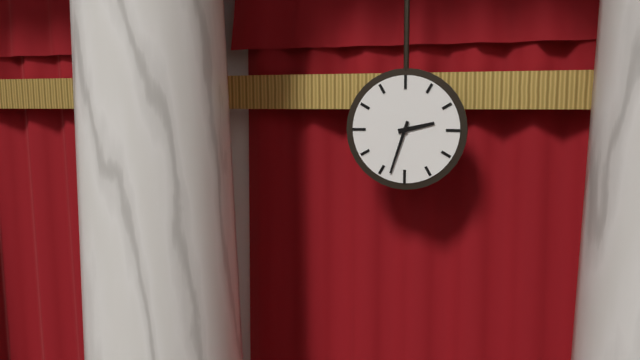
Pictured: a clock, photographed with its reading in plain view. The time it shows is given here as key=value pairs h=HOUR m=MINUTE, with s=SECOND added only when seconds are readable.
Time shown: h=2 m=33
